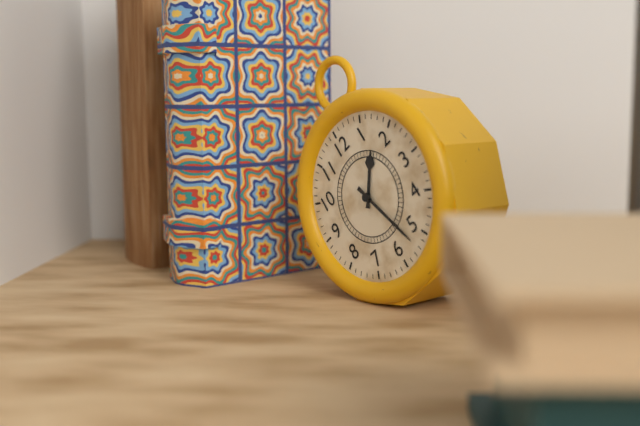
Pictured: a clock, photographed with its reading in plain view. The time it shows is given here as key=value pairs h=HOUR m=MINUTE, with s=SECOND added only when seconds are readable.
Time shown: h=1 m=27
